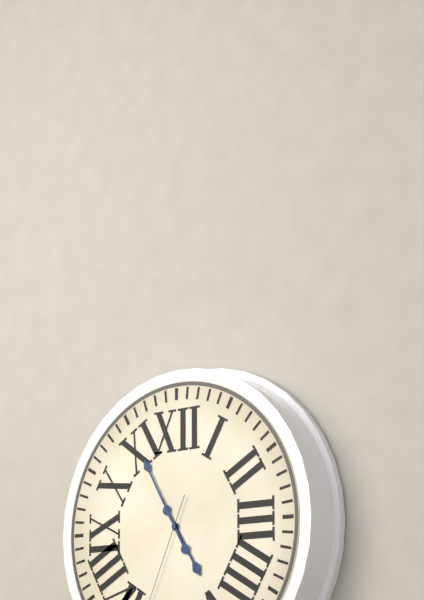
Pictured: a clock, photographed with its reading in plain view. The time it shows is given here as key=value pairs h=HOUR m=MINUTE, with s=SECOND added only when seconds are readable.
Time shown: h=4 m=55
